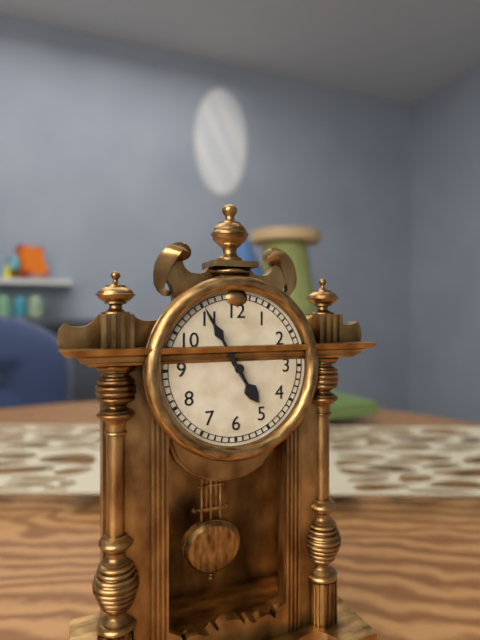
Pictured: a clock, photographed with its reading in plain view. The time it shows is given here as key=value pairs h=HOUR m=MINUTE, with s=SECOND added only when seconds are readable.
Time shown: h=4 m=55
